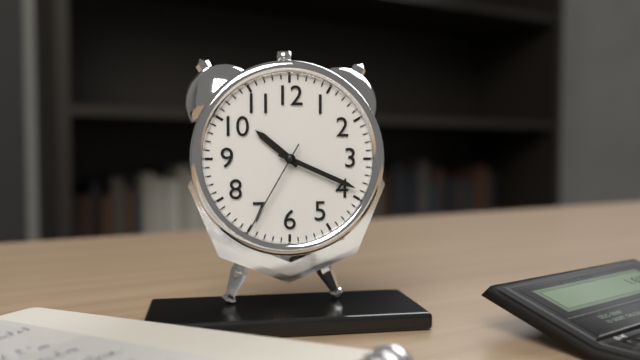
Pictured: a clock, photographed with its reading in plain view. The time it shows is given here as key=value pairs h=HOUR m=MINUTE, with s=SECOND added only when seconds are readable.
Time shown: h=10 m=19 s=35
